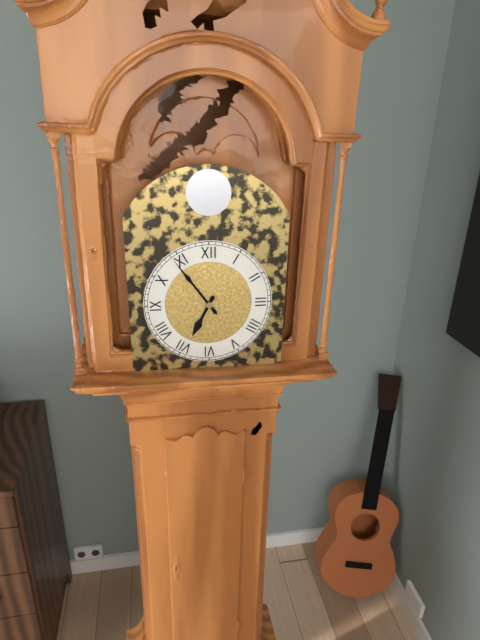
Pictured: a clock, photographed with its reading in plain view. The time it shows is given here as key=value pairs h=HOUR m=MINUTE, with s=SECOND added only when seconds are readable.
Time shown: h=6 m=54
